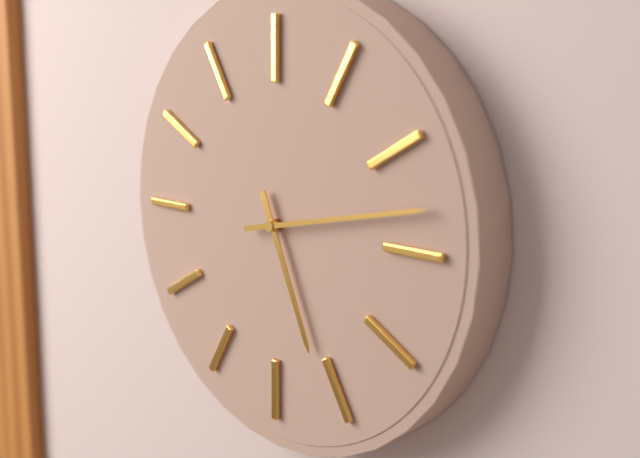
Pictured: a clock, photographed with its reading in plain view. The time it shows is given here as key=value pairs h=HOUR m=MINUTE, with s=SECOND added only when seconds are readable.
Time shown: h=5 m=13
